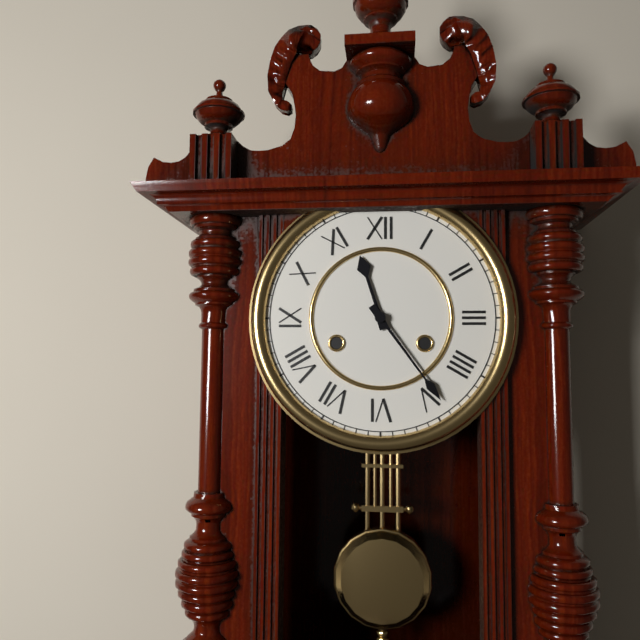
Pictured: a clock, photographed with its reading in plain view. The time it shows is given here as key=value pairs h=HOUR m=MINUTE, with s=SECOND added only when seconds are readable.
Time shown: h=11 m=24
